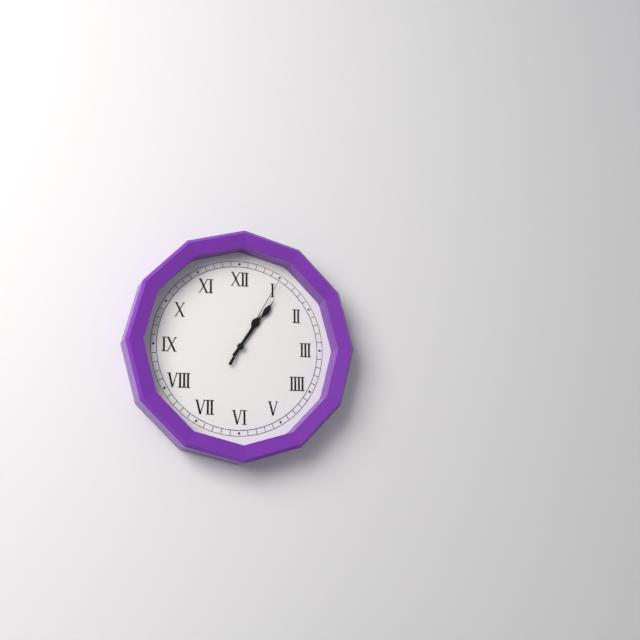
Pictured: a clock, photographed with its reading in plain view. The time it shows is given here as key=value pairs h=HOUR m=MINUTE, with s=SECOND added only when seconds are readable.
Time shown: h=1 m=6 s=5
